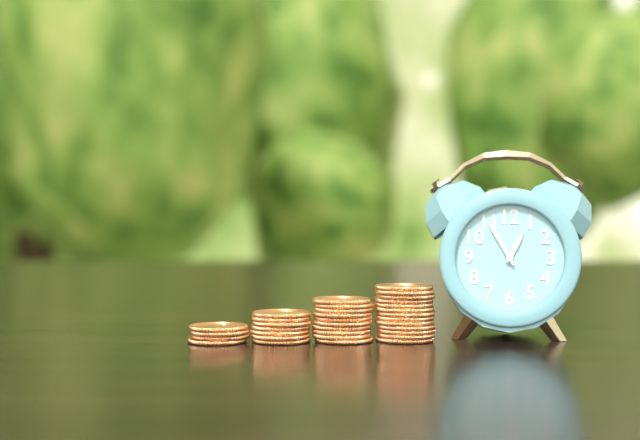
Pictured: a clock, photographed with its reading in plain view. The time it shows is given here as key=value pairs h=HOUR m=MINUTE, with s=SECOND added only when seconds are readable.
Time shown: h=12 m=55
